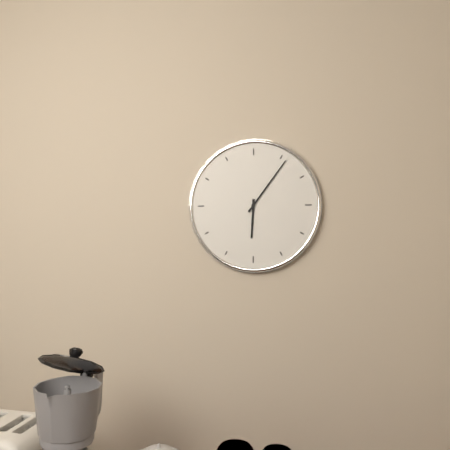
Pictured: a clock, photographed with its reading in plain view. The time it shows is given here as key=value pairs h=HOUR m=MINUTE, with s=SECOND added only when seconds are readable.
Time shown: h=6 m=6
